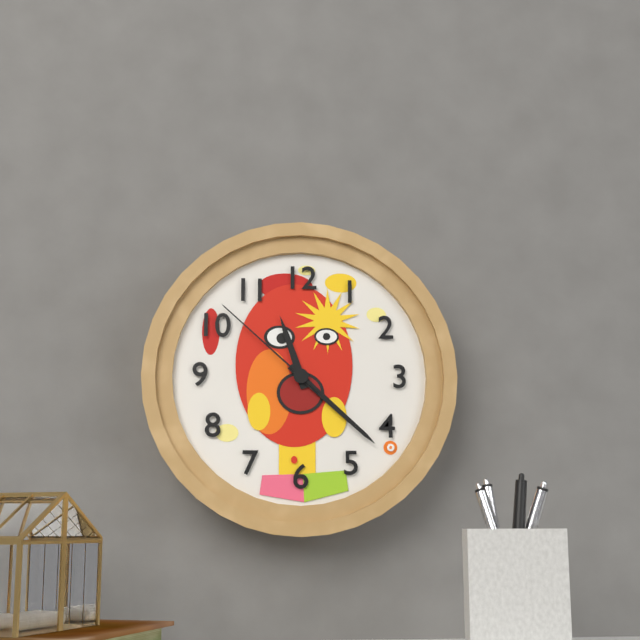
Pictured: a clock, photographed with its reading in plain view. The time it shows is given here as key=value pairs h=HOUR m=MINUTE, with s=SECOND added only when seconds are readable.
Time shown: h=11 m=22 s=52
